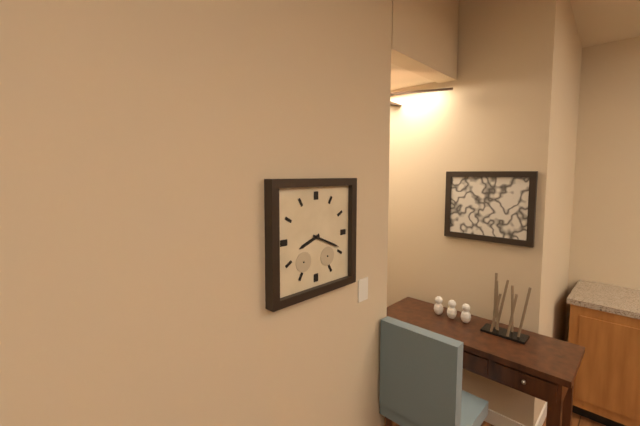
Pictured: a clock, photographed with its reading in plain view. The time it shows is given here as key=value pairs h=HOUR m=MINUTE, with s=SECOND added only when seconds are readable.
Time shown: h=8 m=19
